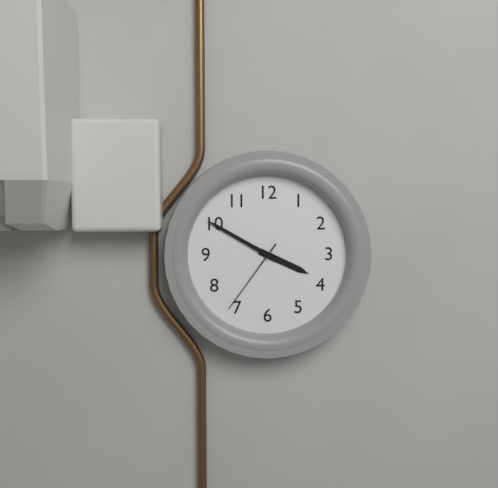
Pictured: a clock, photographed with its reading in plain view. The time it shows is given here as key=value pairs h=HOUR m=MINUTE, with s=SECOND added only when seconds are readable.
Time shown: h=3 m=50 s=36
